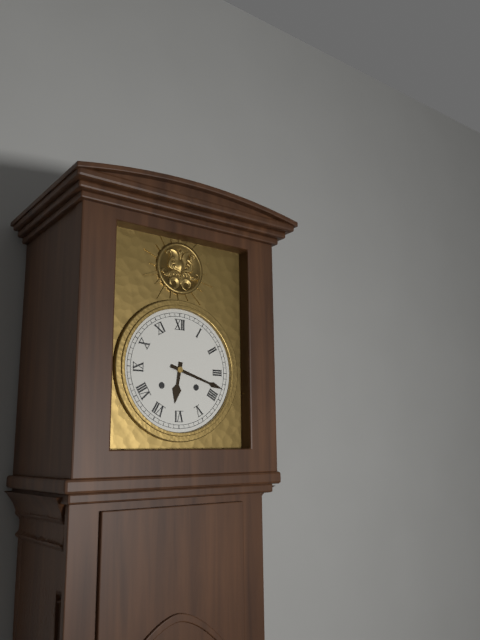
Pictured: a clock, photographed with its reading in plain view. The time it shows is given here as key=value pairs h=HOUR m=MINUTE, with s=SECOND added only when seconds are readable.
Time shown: h=6 m=18
